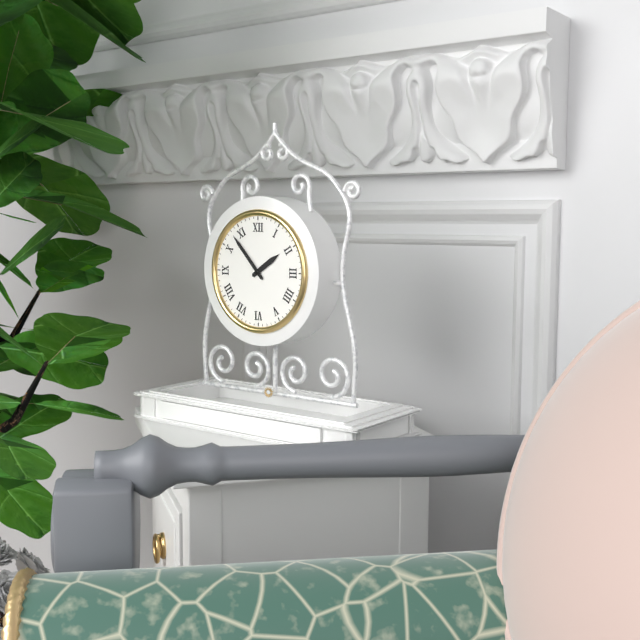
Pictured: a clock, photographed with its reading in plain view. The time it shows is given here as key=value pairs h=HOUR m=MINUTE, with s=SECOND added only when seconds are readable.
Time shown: h=1 m=53
